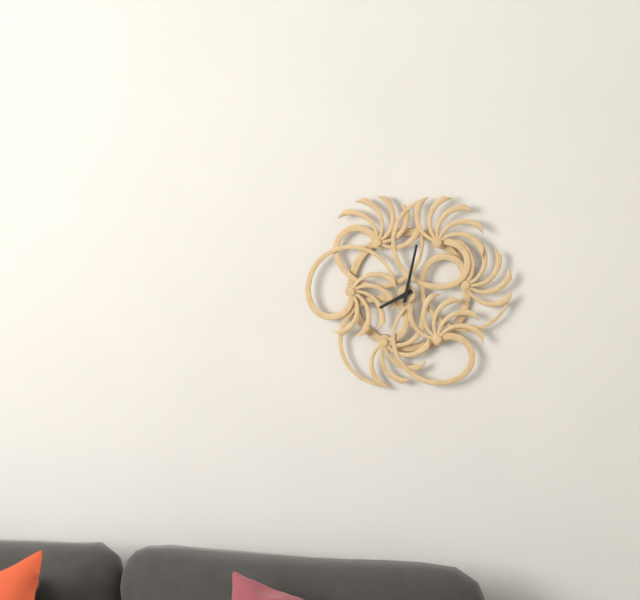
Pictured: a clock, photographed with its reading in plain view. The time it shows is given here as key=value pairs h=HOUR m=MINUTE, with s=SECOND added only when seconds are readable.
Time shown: h=8 m=2
